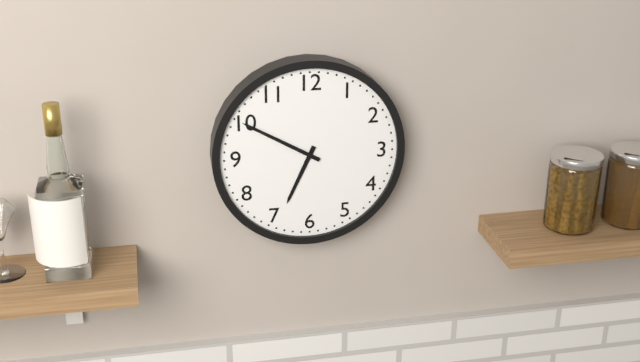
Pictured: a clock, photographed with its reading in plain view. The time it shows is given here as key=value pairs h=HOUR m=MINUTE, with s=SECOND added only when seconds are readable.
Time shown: h=6 m=50
